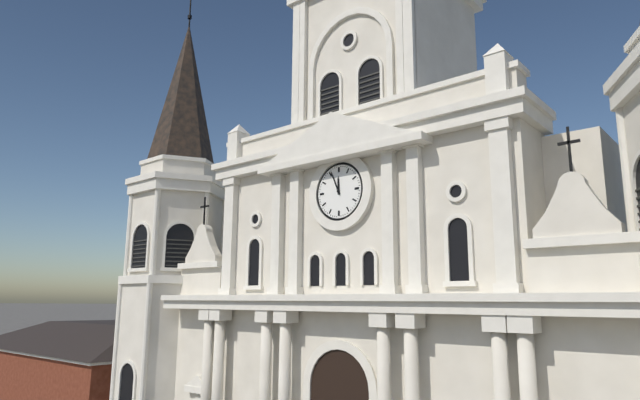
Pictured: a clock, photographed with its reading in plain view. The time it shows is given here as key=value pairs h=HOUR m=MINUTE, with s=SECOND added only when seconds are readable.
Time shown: h=11 m=56
